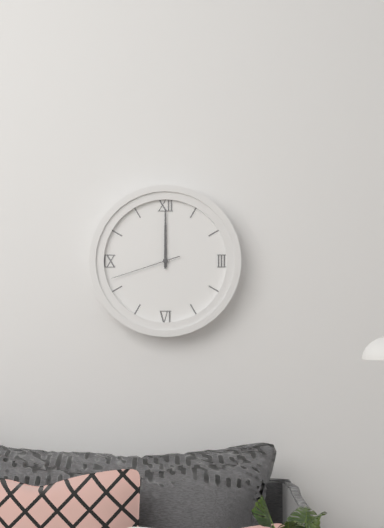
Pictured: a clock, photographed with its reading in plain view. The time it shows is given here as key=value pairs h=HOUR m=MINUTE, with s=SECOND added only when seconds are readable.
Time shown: h=12 m=0 s=42
